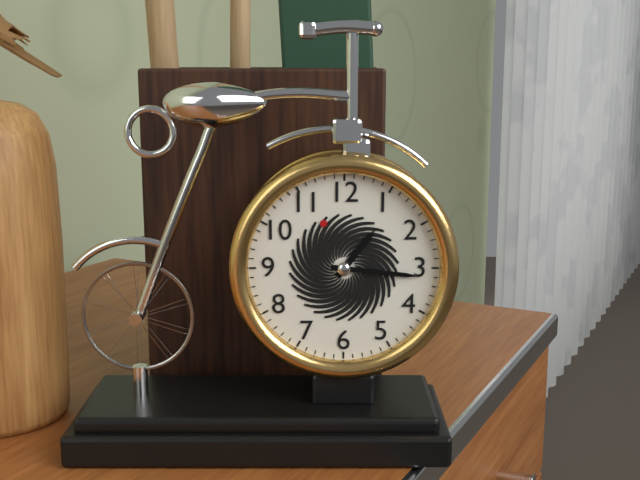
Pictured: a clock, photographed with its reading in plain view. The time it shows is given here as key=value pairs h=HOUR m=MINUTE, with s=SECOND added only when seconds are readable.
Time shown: h=1 m=16
